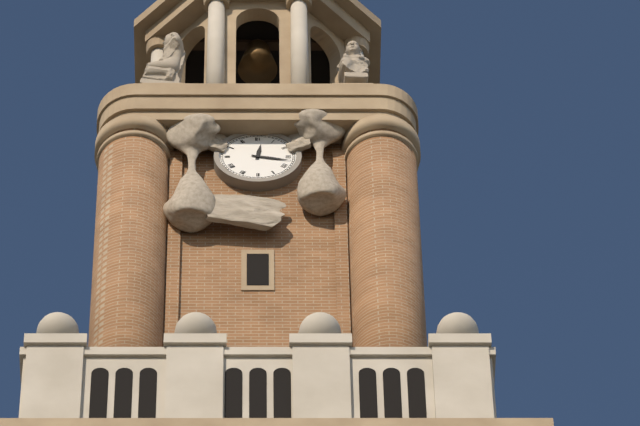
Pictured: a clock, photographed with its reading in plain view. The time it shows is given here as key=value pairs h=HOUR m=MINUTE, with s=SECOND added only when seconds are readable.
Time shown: h=12 m=17
